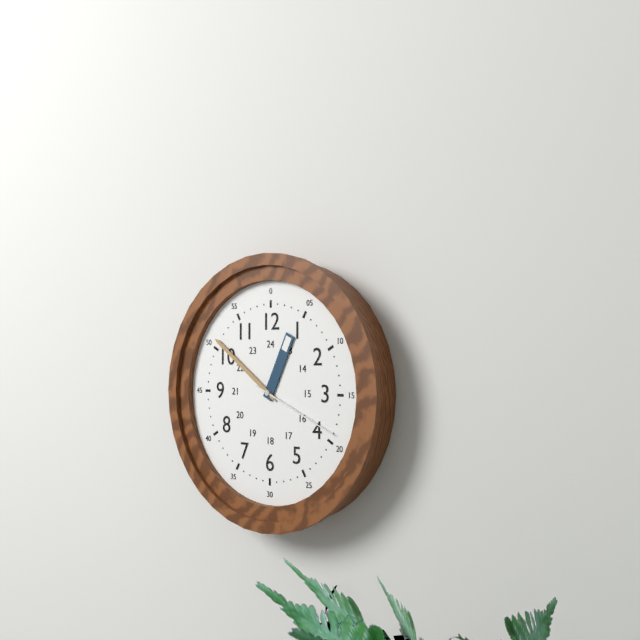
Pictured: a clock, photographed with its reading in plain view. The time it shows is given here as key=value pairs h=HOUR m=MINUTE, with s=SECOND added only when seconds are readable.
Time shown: h=12 m=51 s=19
